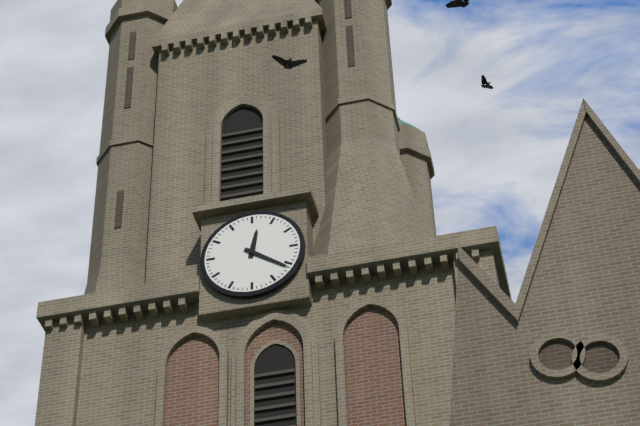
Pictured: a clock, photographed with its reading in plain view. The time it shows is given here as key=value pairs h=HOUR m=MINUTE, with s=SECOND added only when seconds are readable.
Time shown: h=12 m=21
